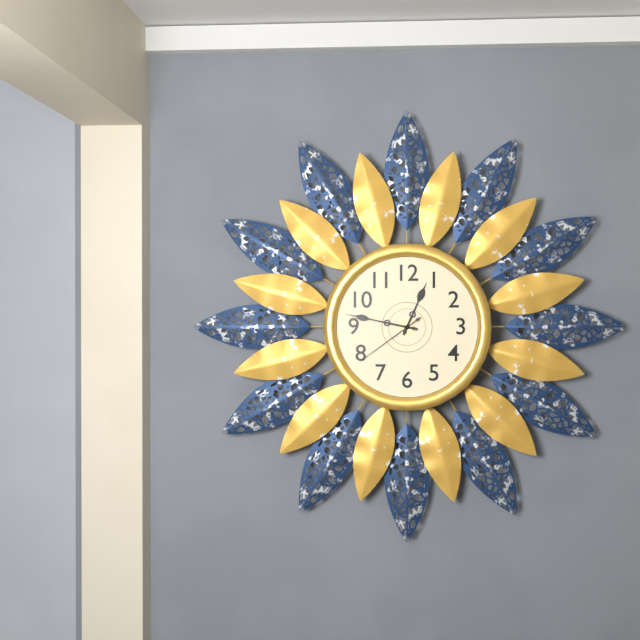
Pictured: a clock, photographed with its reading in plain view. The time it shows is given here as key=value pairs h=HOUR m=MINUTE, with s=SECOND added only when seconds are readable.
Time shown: h=12 m=47 s=39
